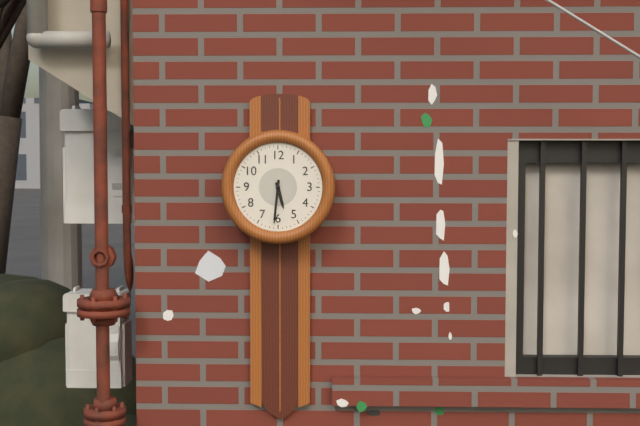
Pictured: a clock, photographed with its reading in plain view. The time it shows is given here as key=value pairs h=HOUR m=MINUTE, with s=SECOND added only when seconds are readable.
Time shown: h=5 m=31
